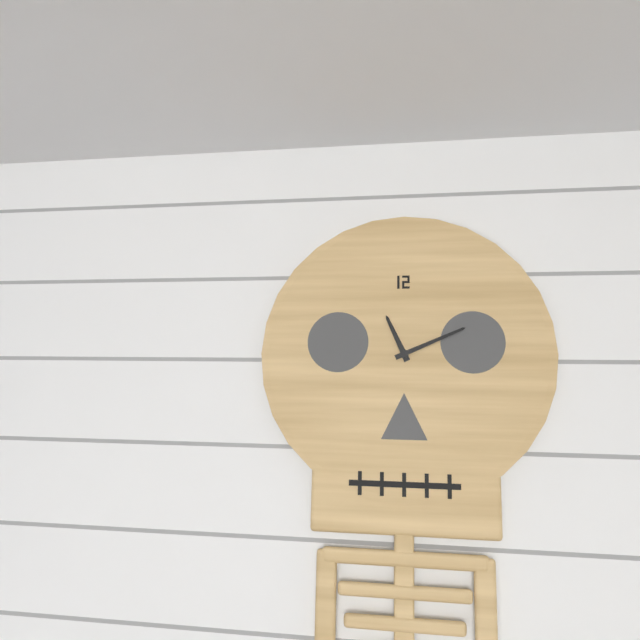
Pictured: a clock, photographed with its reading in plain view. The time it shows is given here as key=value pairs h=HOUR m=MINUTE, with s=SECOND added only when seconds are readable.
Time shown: h=11 m=11
